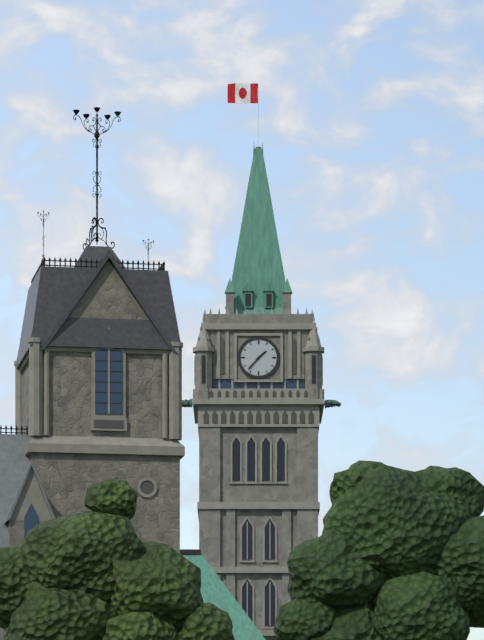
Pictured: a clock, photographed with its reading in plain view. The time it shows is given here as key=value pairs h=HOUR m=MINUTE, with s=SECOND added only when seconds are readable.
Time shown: h=1 m=37
